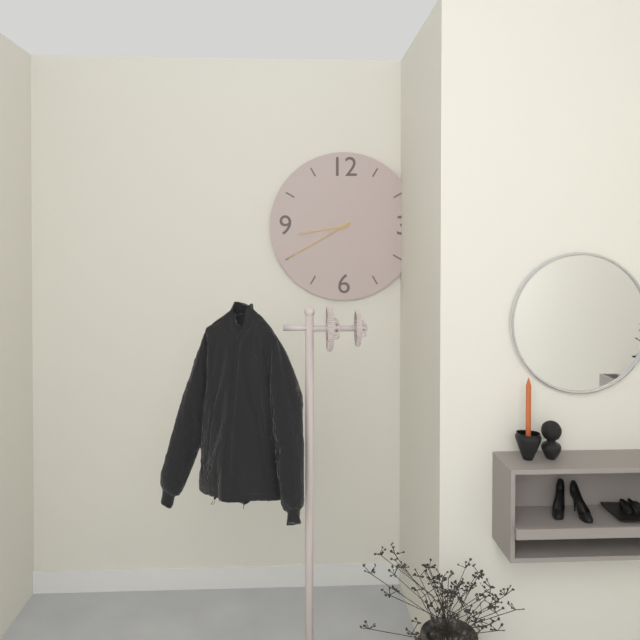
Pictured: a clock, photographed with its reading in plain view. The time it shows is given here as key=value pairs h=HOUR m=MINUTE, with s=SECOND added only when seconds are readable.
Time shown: h=8 m=40
